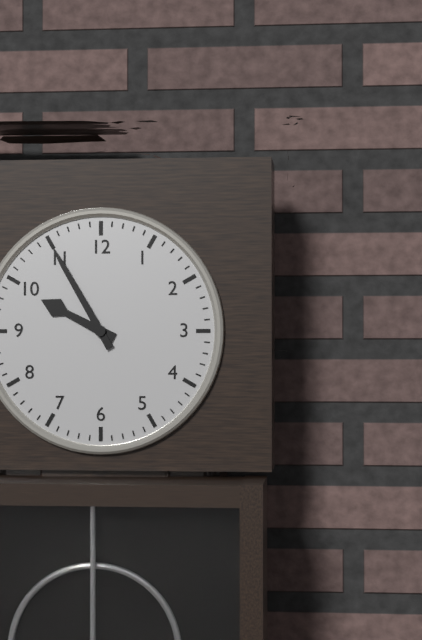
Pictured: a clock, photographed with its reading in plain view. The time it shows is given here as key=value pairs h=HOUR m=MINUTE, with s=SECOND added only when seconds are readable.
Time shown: h=9 m=55
